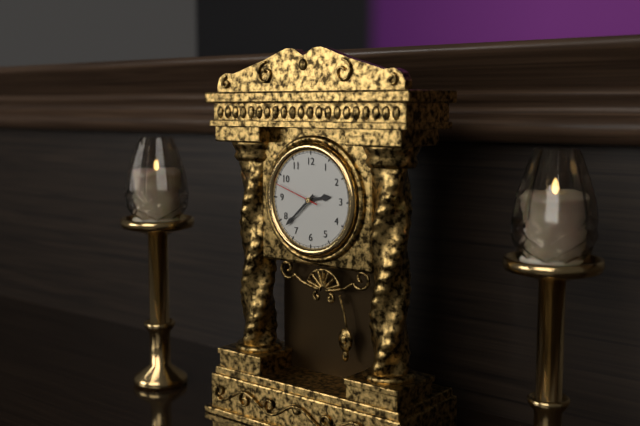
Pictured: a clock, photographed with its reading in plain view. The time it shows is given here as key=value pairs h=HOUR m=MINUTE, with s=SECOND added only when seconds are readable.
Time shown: h=2 m=38
